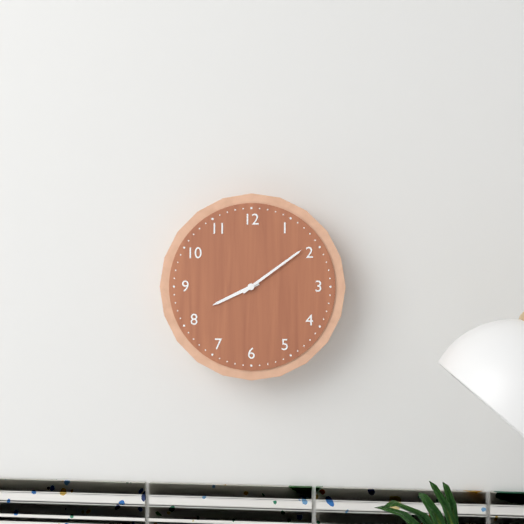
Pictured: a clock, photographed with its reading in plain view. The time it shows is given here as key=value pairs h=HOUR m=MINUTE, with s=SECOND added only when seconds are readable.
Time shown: h=8 m=9
